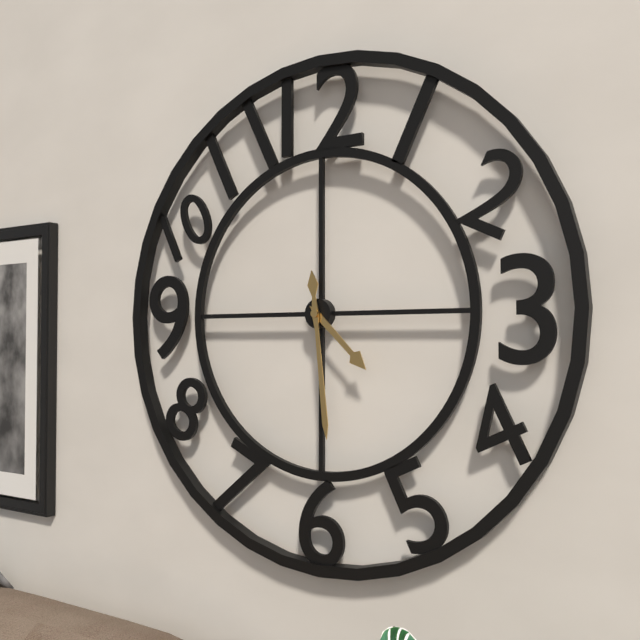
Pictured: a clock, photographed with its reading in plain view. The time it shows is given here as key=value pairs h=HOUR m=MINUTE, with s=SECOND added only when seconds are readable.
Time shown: h=4 m=29
